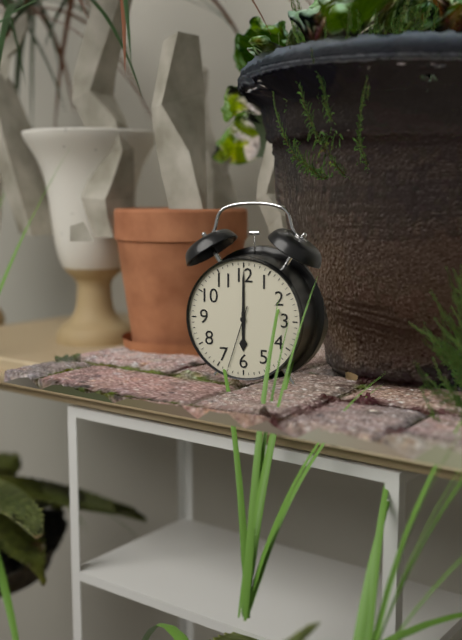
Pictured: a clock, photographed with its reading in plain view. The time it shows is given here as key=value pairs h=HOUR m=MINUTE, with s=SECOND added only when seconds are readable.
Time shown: h=6 m=0 s=33
